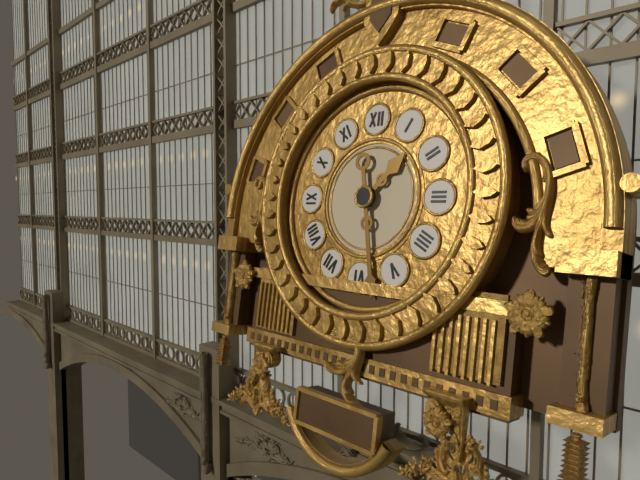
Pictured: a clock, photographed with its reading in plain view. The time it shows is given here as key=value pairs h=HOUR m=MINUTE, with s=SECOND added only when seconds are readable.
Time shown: h=1 m=28
